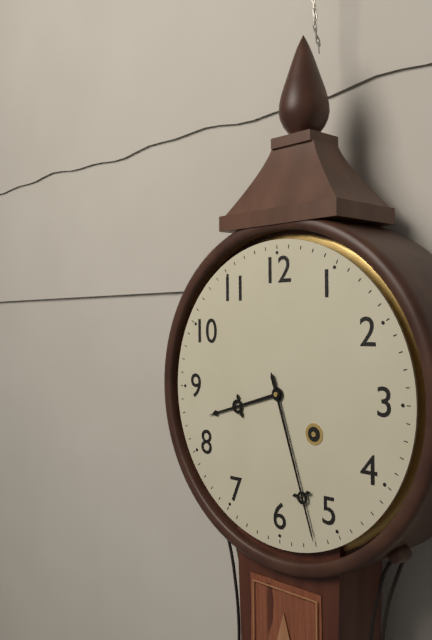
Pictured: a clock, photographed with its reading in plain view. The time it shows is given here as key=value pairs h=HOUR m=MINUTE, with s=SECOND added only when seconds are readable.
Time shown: h=8 m=27
